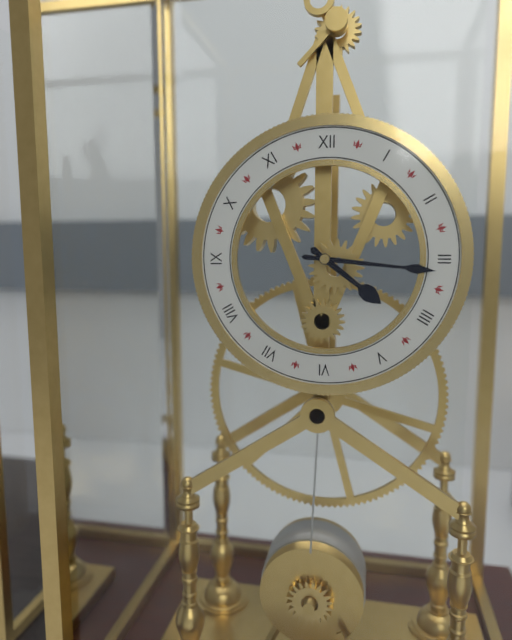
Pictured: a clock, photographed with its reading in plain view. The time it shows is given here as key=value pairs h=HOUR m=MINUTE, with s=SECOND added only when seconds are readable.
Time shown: h=4 m=16
